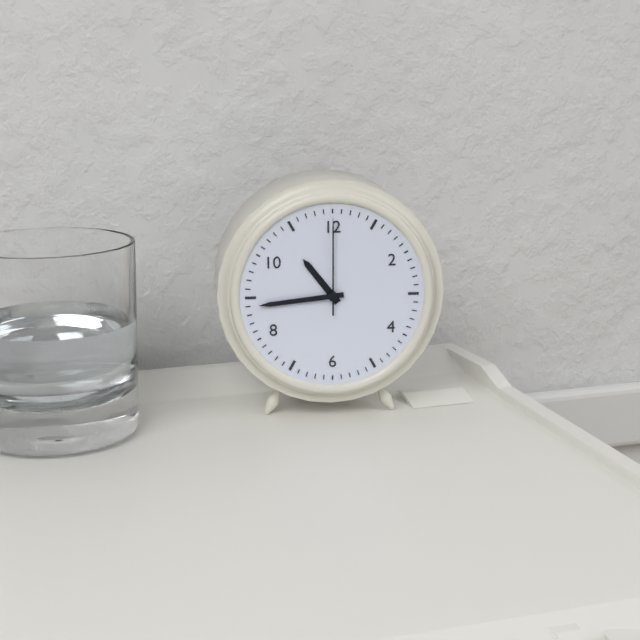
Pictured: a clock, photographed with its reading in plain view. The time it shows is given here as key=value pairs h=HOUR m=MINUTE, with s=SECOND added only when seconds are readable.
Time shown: h=10 m=44 s=0
